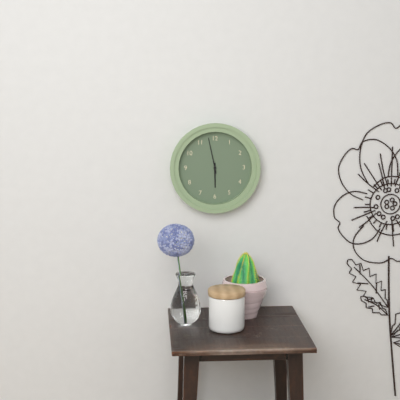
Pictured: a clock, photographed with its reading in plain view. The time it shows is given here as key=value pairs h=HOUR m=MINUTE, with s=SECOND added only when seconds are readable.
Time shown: h=5 m=58
